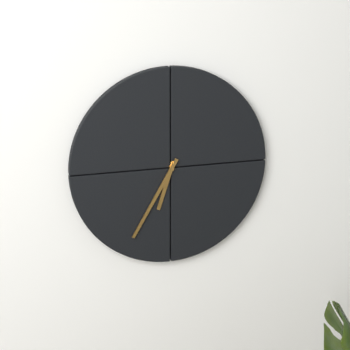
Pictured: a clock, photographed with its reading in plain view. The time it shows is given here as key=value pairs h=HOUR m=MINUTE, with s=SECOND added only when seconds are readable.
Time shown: h=6 m=35
